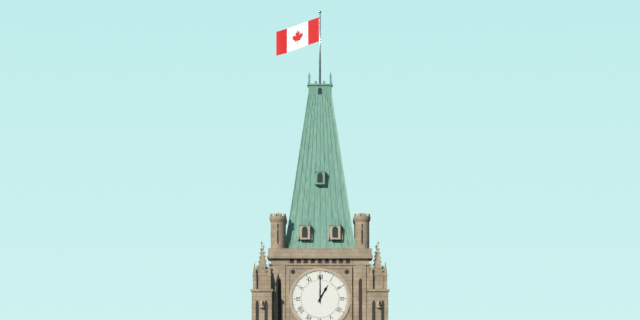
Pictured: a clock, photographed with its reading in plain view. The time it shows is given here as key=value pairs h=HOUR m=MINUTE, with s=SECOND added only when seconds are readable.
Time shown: h=1 m=0
